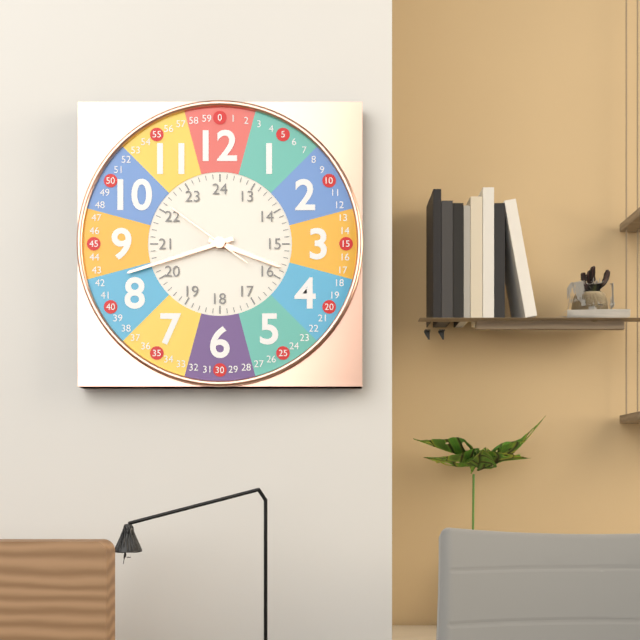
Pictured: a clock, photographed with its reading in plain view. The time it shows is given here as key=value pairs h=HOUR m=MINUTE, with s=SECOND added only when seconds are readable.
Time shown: h=3 m=42 s=51
